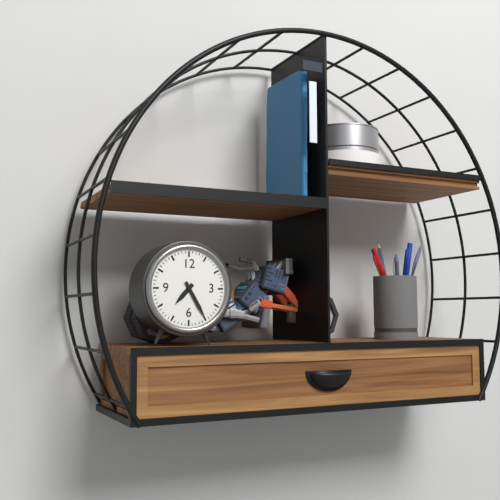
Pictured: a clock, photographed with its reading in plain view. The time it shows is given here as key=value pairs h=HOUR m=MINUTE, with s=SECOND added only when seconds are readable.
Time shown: h=7 m=25
